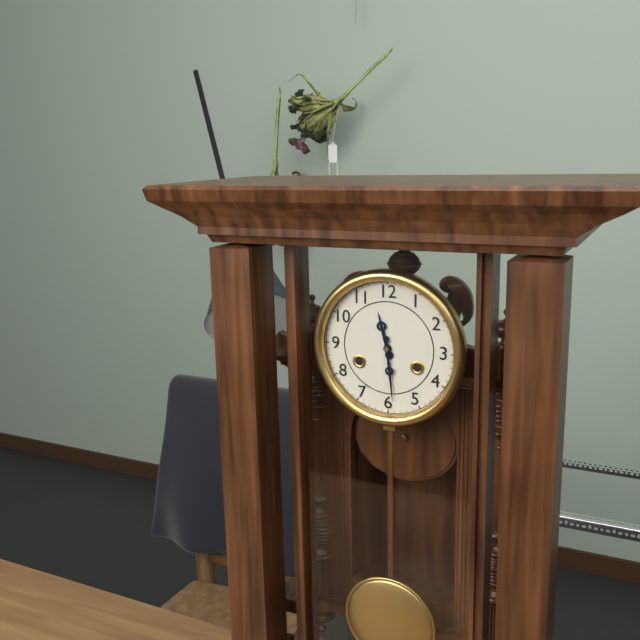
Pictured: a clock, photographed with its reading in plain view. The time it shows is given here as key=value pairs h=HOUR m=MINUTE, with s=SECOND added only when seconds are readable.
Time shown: h=11 m=29
